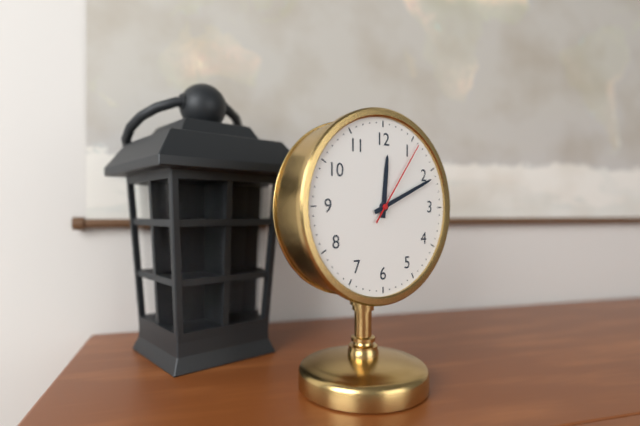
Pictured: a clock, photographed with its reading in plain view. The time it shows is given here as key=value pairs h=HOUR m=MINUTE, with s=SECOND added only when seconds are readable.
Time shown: h=12 m=11 s=6
